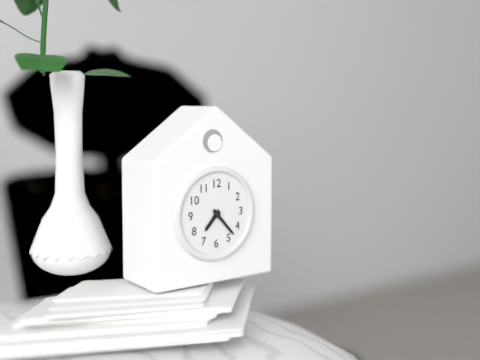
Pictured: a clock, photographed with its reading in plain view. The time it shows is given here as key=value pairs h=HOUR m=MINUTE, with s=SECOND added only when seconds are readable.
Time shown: h=7 m=23
